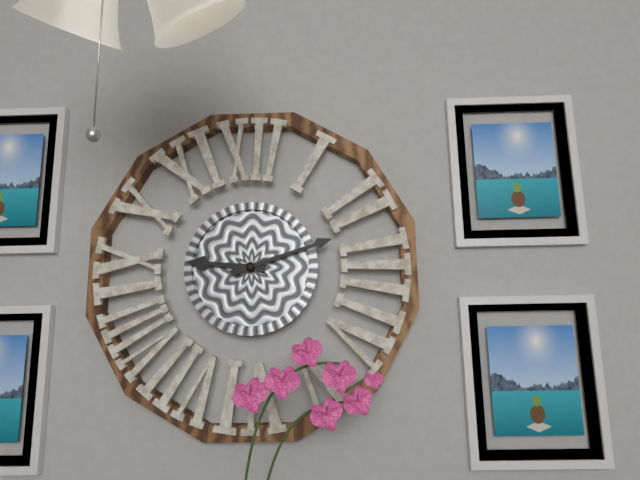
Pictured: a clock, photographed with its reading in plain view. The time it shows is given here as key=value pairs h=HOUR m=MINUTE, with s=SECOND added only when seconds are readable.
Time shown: h=9 m=12
